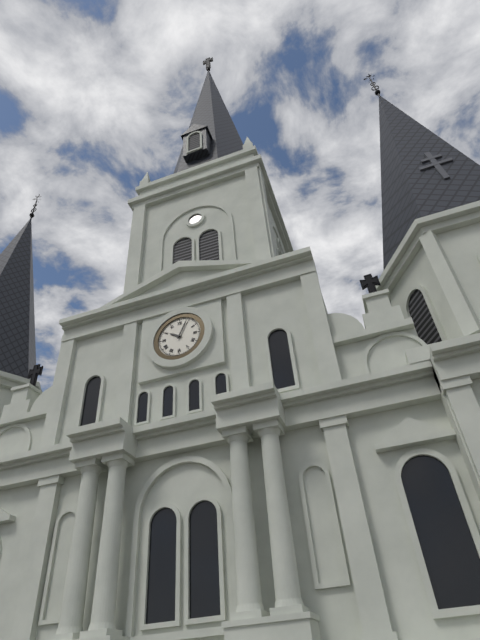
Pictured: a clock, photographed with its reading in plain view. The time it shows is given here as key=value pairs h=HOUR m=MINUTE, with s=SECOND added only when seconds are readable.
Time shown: h=10 m=4
